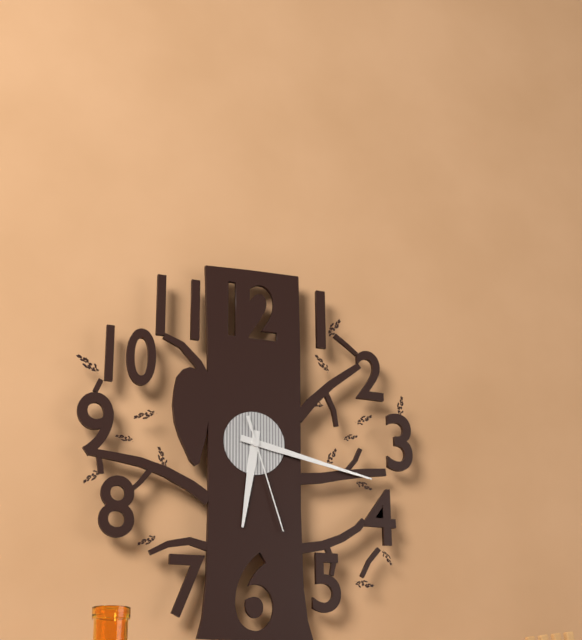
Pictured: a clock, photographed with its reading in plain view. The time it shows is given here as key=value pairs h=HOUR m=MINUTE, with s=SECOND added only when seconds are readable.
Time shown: h=6 m=17 s=27
